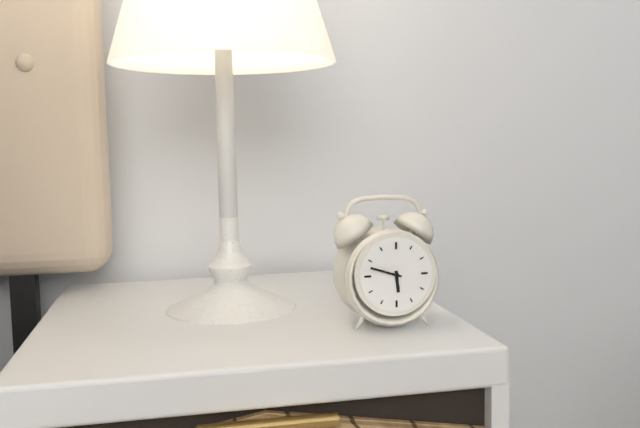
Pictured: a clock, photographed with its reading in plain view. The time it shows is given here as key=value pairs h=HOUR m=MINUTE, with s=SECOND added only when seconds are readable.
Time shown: h=5 m=48
